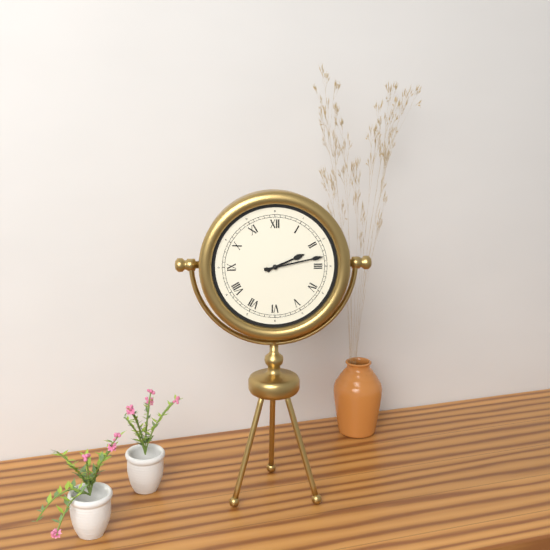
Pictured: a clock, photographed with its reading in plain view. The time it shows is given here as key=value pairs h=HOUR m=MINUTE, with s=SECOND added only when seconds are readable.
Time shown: h=2 m=13
